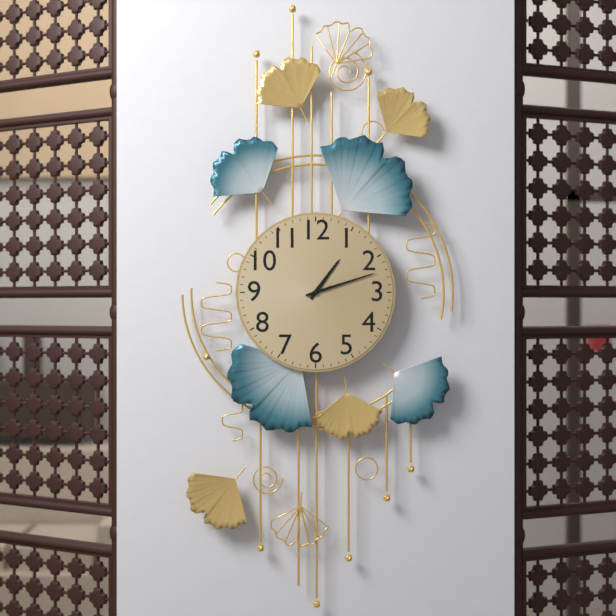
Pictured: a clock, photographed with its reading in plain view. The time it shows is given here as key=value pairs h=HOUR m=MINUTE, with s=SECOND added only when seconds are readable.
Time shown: h=1 m=12
